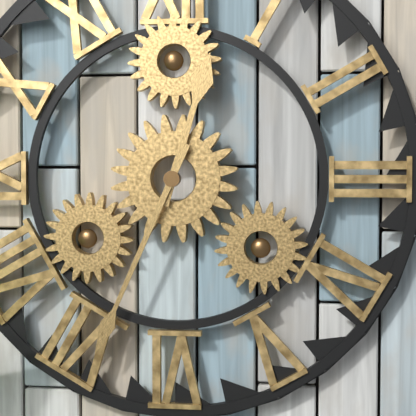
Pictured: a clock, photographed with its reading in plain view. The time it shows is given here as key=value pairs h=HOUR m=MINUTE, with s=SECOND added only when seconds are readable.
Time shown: h=12 m=34
